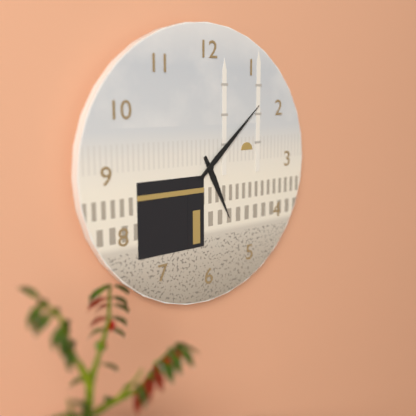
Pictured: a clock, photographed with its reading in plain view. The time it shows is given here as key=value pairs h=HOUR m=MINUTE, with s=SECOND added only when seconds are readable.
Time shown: h=5 m=8
